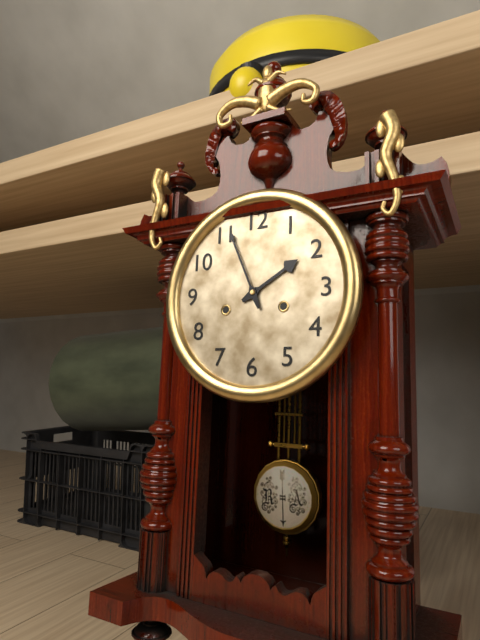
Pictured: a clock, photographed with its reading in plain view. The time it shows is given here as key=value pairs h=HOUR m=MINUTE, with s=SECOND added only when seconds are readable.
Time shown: h=1 m=56
